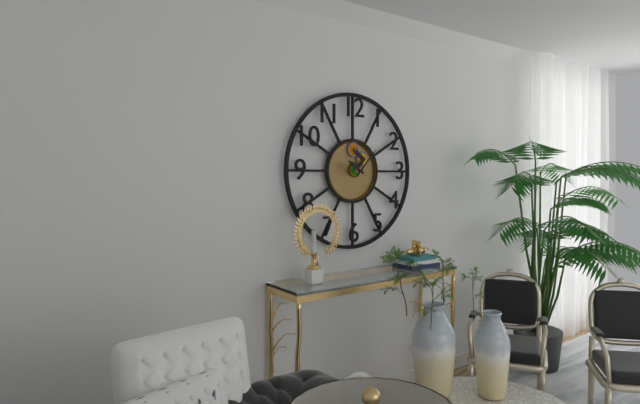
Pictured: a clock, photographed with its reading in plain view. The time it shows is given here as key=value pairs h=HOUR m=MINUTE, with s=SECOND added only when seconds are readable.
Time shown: h=10 m=7
